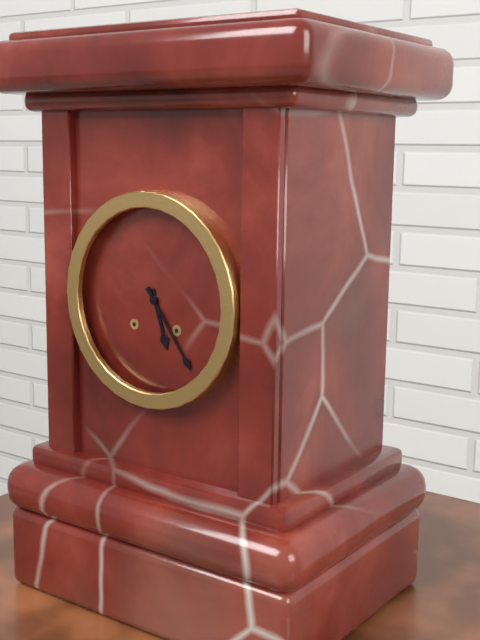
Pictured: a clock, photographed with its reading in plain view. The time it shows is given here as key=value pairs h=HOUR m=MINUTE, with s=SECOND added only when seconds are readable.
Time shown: h=5 m=24
